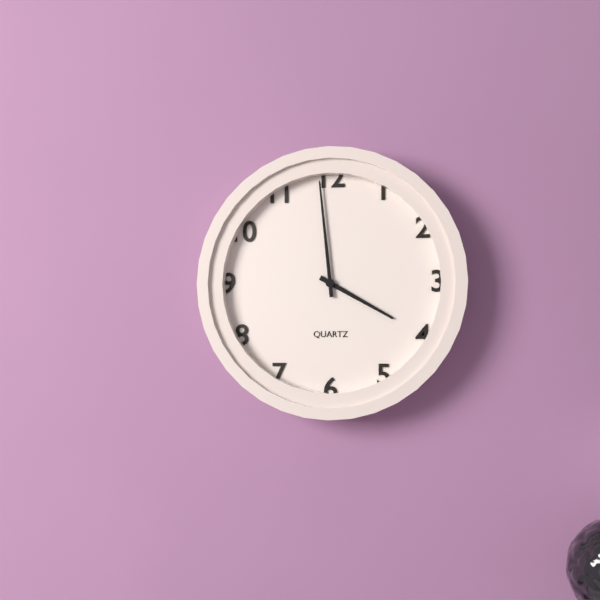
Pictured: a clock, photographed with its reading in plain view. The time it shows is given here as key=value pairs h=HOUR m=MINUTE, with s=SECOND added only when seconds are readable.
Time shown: h=3 m=59
